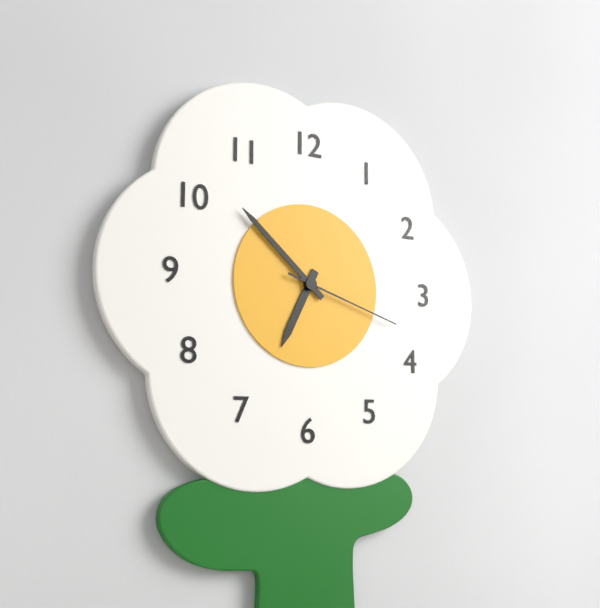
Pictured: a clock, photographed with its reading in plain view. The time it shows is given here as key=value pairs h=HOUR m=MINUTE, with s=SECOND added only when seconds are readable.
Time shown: h=6 m=52 s=18
